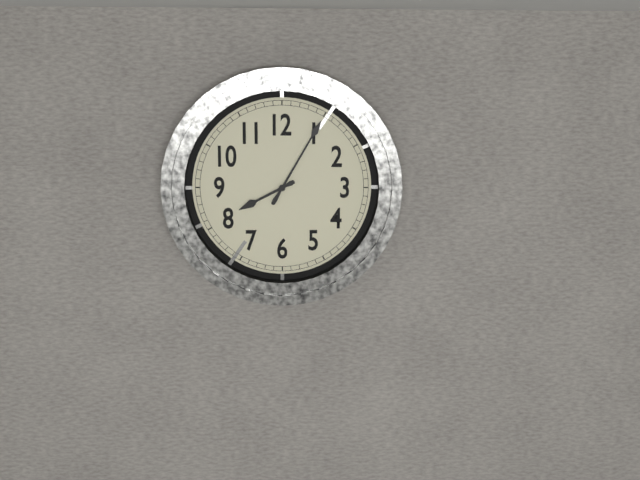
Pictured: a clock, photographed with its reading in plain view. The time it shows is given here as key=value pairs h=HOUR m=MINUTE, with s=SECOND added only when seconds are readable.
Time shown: h=8 m=5
